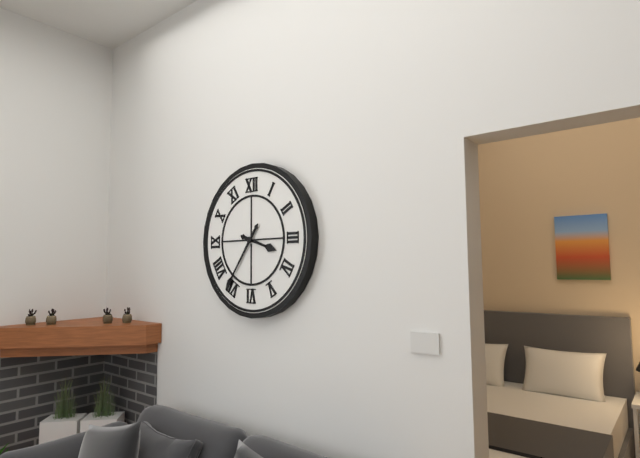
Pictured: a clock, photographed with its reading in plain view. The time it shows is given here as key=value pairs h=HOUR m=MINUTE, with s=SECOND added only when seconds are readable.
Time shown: h=3 m=36
